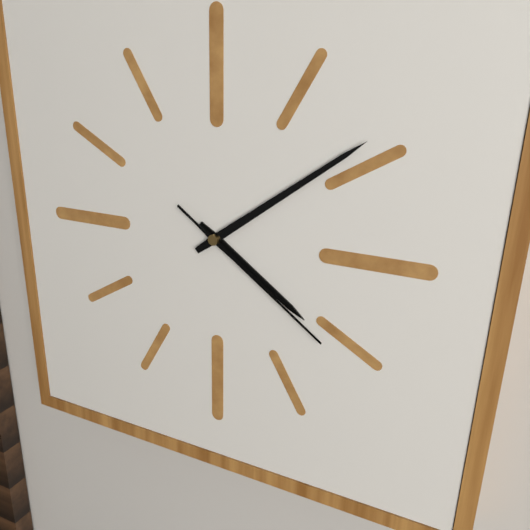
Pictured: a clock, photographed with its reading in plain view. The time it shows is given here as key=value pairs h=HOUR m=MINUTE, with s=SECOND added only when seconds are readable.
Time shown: h=4 m=9 s=21
